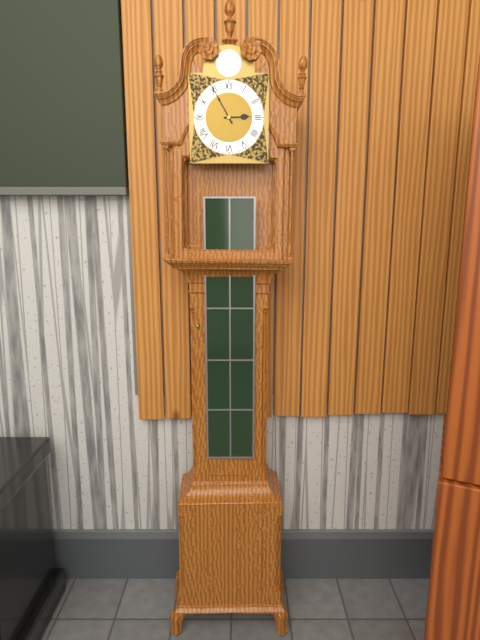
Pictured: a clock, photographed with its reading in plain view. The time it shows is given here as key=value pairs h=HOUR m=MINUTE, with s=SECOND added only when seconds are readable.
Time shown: h=2 m=55
